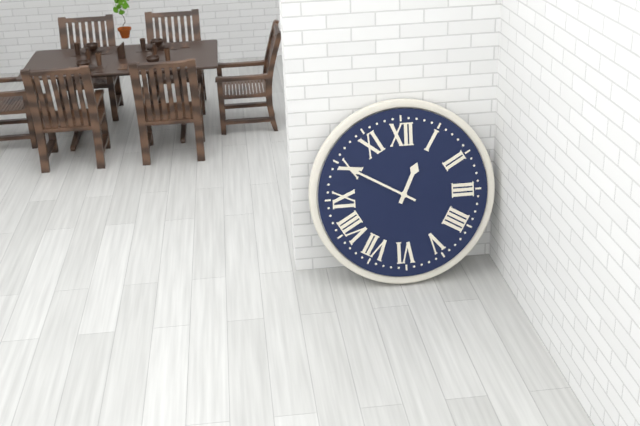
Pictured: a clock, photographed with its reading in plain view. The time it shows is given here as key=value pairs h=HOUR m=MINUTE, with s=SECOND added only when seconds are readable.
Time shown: h=12 m=50
